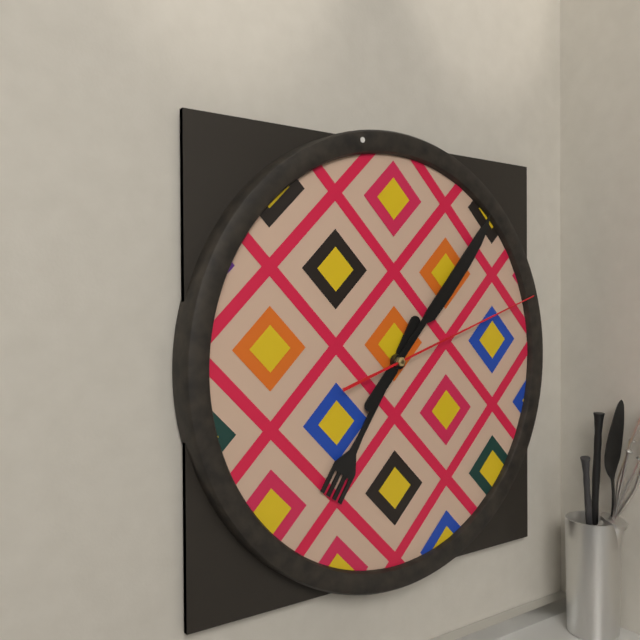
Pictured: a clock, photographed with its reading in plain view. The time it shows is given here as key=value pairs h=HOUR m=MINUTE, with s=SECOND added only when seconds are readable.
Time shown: h=7 m=7 s=12
